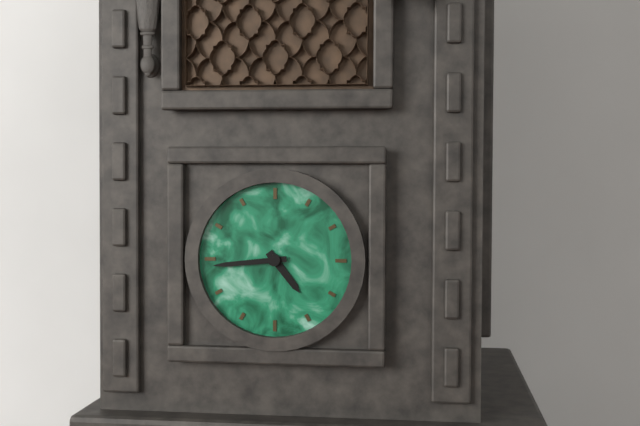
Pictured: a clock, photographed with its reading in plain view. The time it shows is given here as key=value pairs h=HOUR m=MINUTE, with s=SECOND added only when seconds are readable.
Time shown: h=4 m=44
